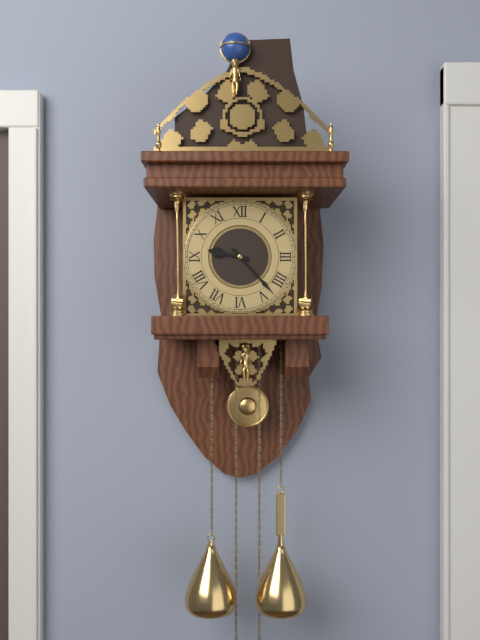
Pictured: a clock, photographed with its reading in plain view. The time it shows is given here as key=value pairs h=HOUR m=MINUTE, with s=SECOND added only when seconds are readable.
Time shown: h=9 m=23
